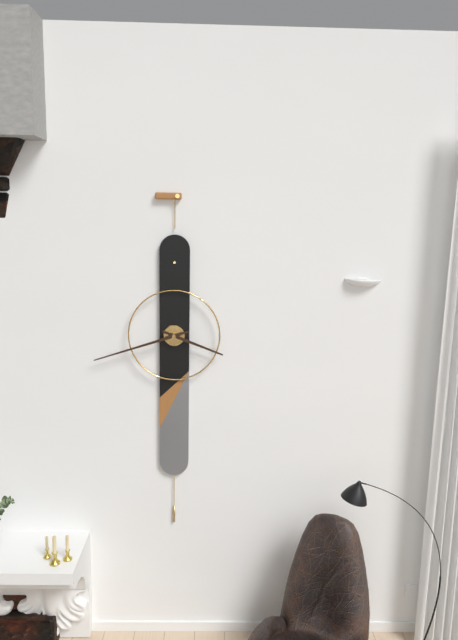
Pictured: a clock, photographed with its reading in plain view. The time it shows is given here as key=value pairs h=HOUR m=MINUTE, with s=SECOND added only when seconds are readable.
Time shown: h=3 m=42
